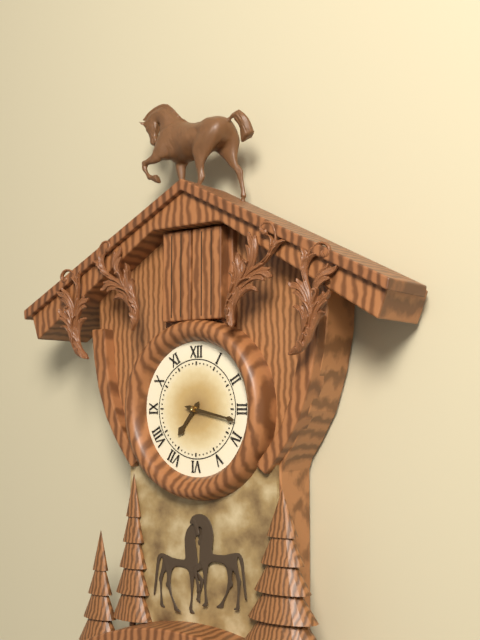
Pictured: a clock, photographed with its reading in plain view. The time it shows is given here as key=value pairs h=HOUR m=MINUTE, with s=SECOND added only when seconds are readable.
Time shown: h=7 m=17
